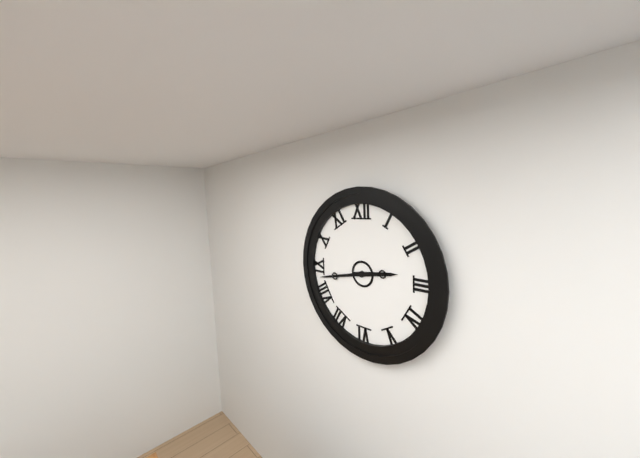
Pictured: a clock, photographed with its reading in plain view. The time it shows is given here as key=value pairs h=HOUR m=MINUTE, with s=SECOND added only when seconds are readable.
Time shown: h=2 m=43
